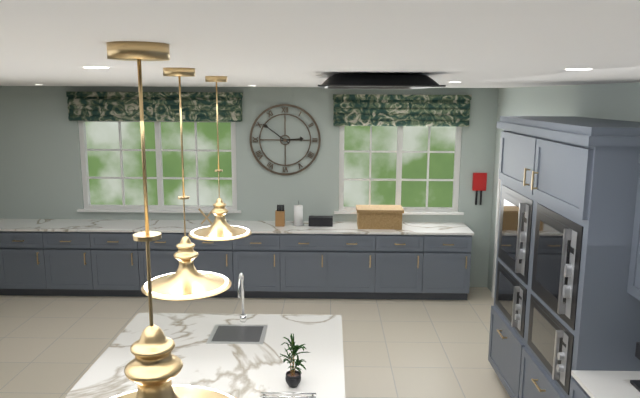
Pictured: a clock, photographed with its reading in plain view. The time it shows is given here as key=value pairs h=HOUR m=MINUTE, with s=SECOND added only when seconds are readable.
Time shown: h=2 m=51
